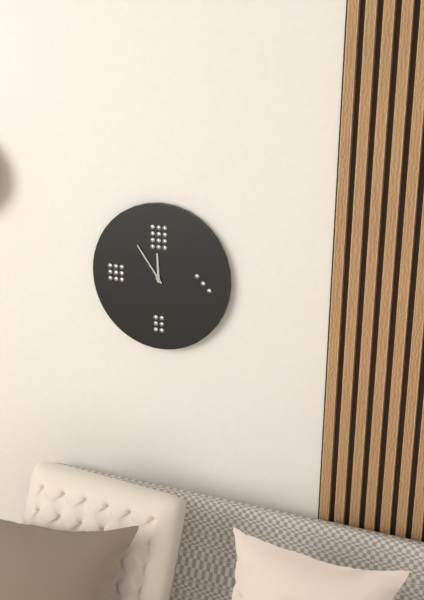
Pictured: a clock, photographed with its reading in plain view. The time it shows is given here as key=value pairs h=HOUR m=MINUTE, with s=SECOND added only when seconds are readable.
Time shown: h=11 m=54
